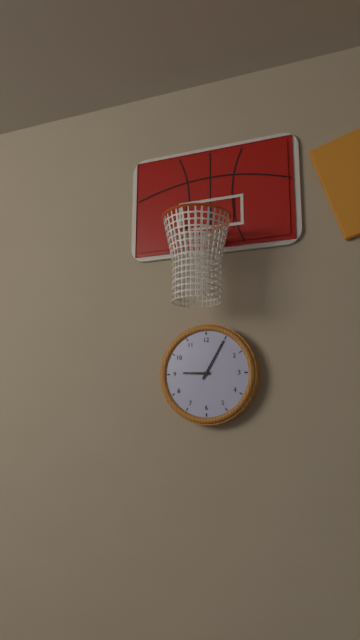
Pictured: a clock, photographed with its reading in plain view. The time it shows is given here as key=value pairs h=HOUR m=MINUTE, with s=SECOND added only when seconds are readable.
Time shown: h=9 m=5
